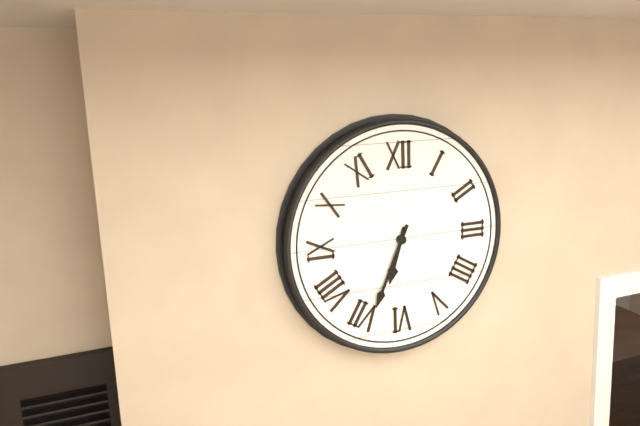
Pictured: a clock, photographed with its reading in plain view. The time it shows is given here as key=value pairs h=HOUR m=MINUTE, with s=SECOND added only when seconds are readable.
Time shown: h=6 m=34
